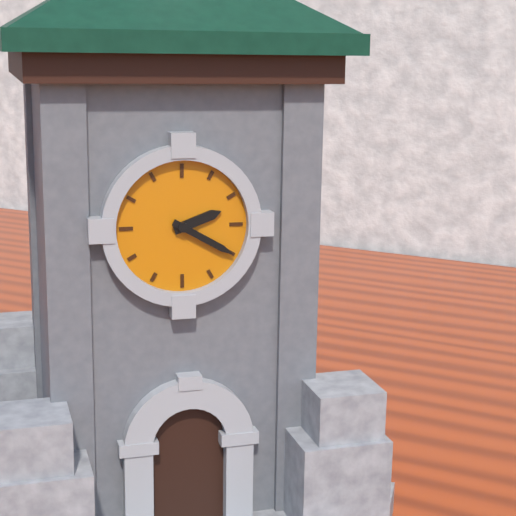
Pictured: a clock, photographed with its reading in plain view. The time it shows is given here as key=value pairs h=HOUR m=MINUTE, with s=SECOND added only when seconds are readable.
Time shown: h=2 m=20
